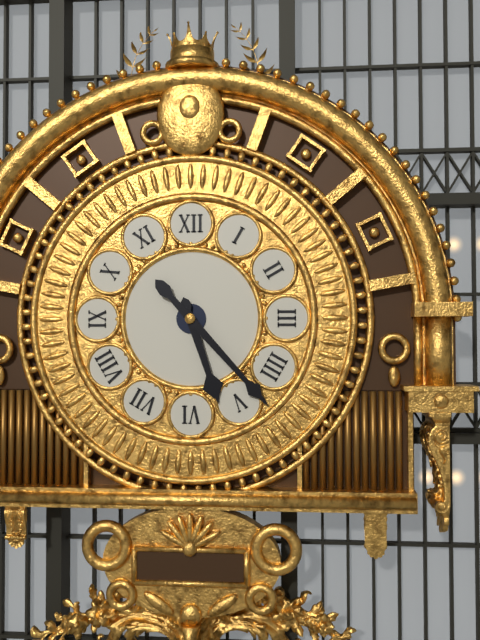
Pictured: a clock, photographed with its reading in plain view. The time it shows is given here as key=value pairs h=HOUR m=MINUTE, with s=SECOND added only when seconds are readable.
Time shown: h=5 m=23
